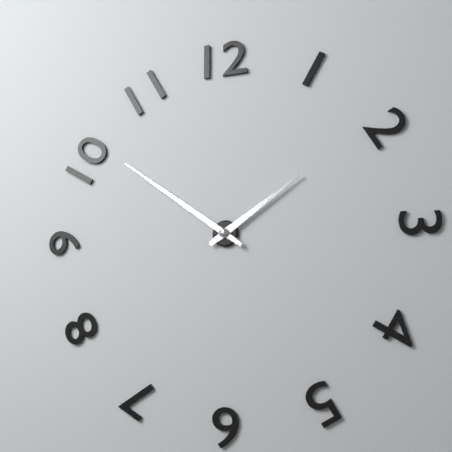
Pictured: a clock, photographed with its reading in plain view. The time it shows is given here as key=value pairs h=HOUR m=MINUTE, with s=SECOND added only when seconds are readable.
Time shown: h=1 m=51
